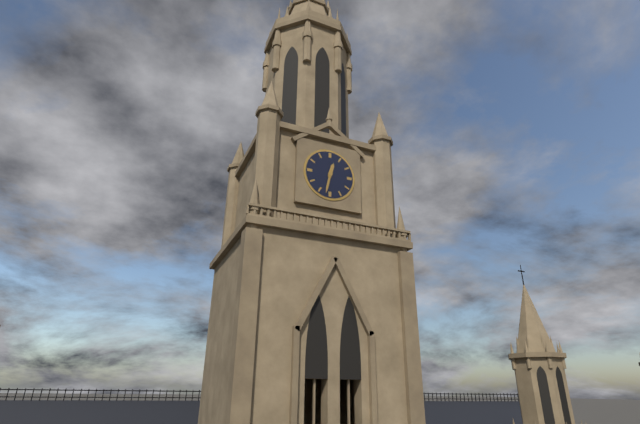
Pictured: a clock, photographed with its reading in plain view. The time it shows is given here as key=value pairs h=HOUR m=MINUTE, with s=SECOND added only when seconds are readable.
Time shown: h=12 m=32
